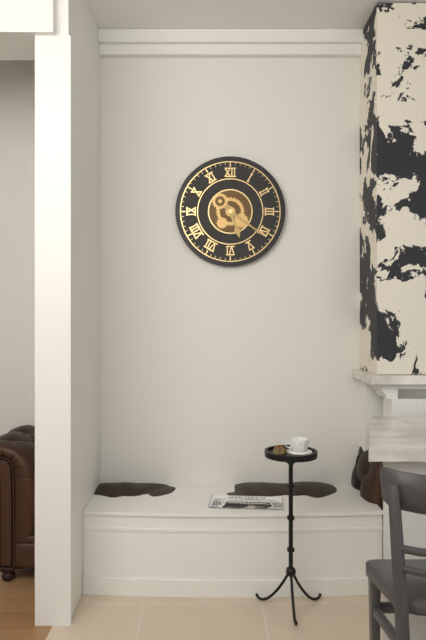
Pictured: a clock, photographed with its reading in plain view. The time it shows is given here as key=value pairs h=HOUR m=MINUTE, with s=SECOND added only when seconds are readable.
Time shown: h=5 m=21
